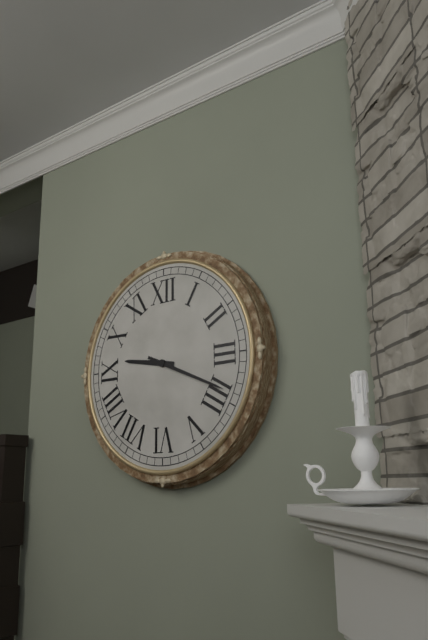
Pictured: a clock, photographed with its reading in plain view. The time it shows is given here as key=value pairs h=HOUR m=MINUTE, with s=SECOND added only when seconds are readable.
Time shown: h=9 m=19
